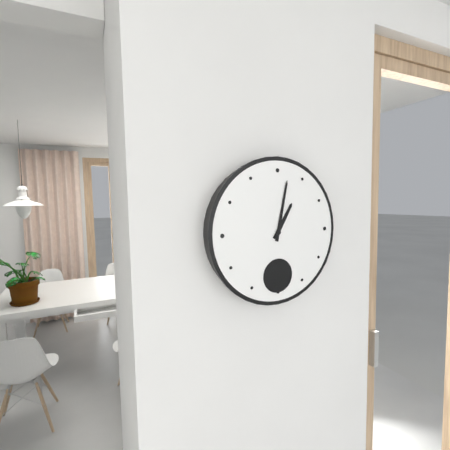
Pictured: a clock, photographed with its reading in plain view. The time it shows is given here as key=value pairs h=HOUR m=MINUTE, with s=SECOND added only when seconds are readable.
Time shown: h=1 m=2
